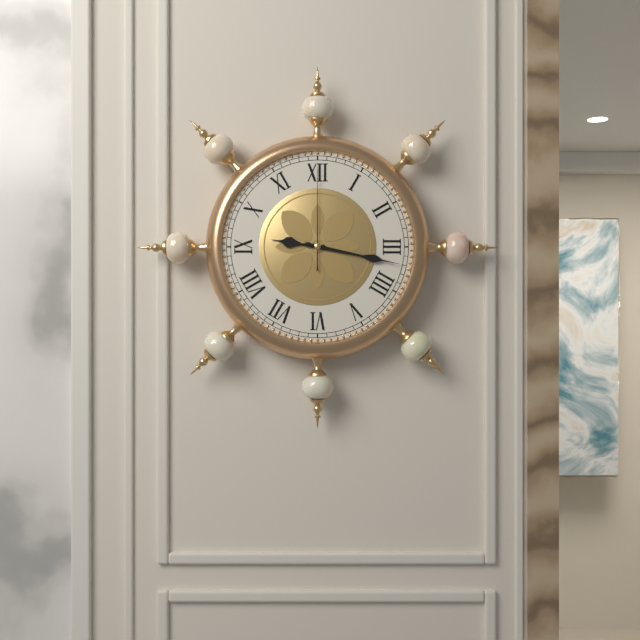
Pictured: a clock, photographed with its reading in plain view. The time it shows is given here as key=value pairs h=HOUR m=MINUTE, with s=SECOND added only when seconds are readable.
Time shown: h=9 m=17 s=0
